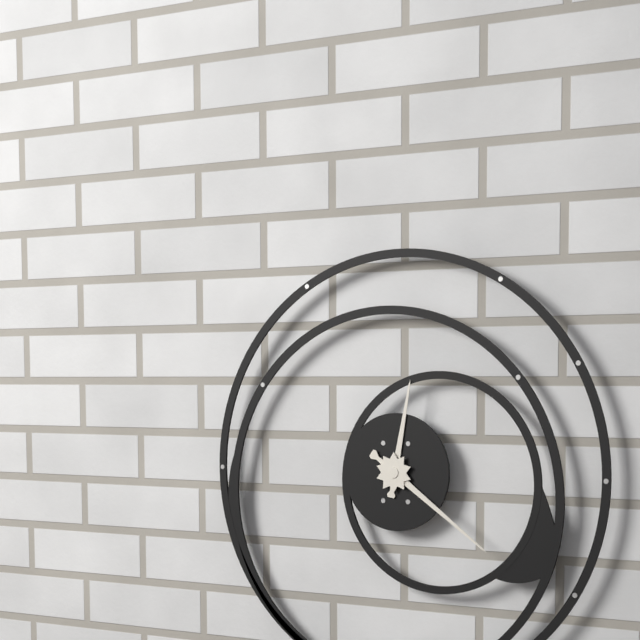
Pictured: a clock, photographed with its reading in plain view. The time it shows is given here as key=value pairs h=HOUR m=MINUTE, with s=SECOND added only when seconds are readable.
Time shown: h=12 m=21
